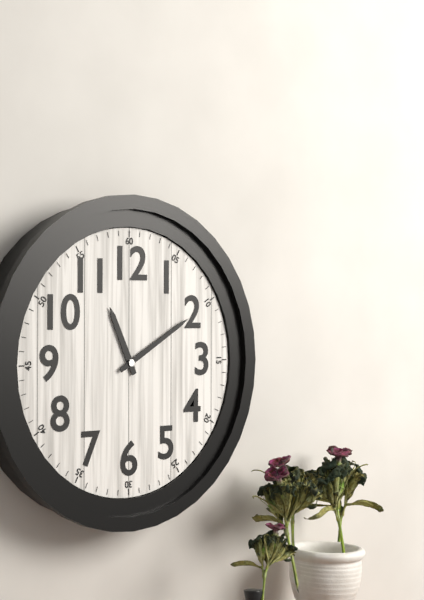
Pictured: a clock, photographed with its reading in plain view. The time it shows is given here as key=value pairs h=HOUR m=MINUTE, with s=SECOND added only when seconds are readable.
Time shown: h=11 m=10
